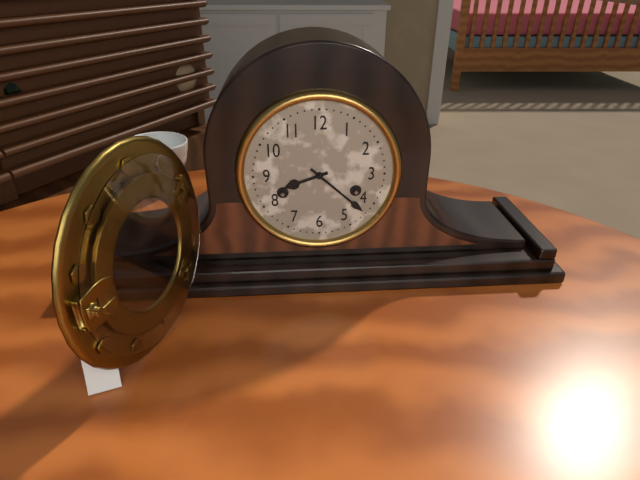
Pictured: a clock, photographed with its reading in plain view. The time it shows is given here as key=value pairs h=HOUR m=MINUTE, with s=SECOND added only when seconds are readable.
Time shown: h=8 m=22
